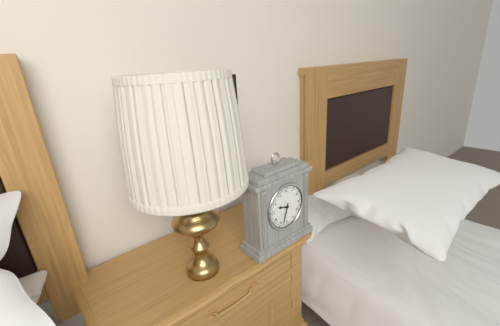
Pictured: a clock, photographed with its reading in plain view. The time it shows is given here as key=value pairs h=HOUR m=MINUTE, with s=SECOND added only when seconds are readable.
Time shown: h=9 m=33
